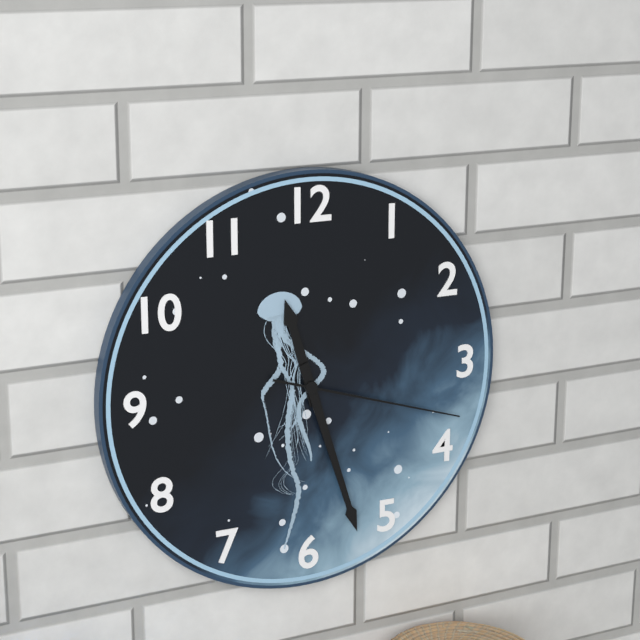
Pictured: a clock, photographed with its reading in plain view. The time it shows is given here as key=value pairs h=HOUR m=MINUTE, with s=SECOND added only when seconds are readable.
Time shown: h=11 m=27 s=18
